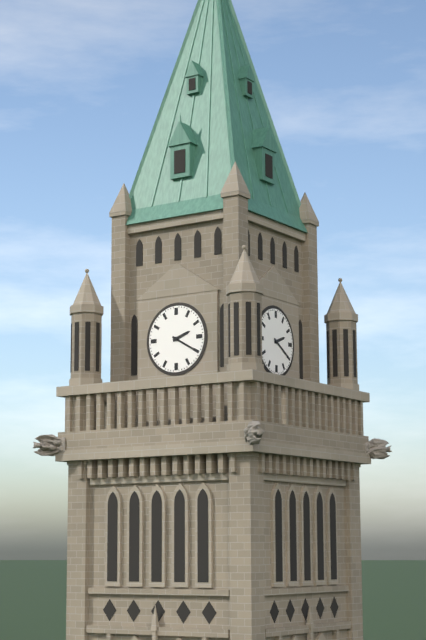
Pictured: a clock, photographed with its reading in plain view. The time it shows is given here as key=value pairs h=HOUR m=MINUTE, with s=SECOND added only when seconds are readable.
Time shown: h=2 m=20
